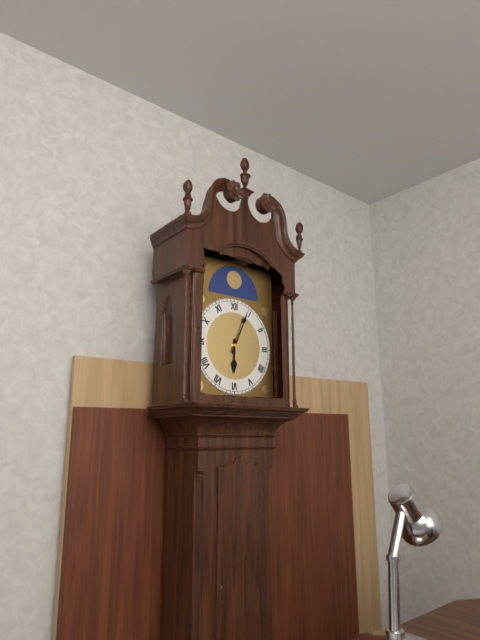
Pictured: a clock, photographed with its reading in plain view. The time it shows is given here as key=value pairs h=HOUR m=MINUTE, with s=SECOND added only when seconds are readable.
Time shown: h=6 m=4
